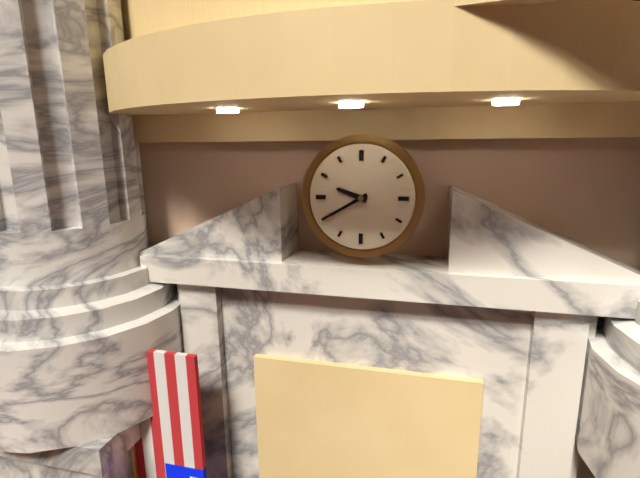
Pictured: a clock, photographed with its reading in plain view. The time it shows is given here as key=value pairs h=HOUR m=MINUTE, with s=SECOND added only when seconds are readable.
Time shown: h=9 m=40
